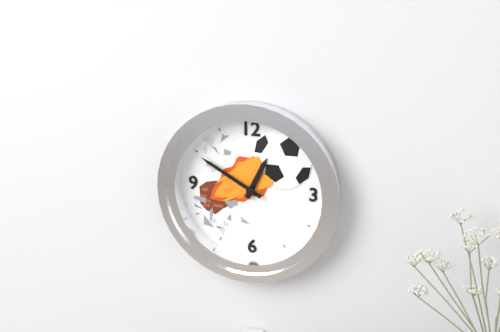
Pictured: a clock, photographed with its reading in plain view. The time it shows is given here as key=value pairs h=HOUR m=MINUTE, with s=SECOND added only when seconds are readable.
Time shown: h=12 m=50
